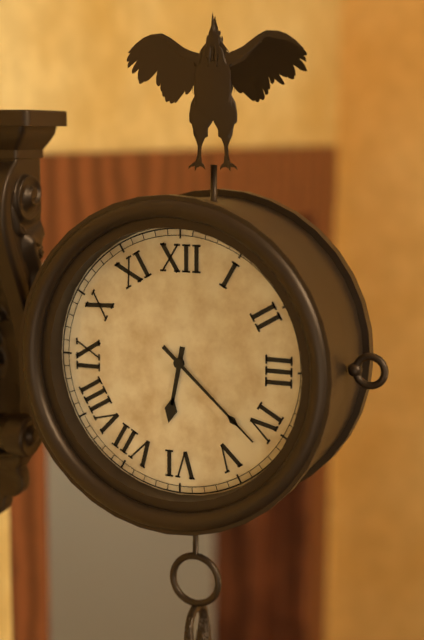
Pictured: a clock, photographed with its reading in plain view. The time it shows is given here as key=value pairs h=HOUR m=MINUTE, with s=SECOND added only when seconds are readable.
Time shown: h=6 m=22
